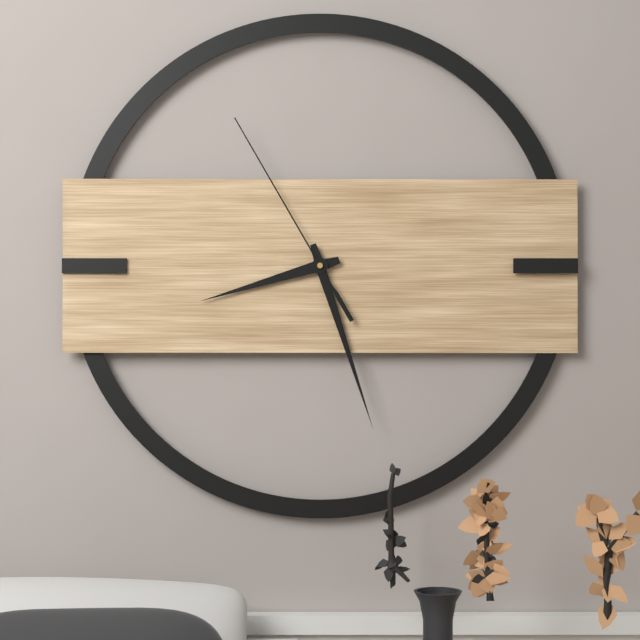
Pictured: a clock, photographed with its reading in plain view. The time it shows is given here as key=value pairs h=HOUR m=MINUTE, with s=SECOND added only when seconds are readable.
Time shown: h=8 m=27 s=55
